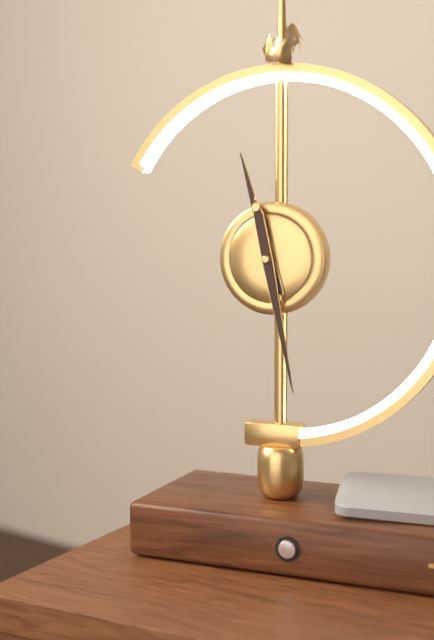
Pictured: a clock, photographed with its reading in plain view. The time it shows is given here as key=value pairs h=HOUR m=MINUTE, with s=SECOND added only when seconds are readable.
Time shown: h=11 m=28
